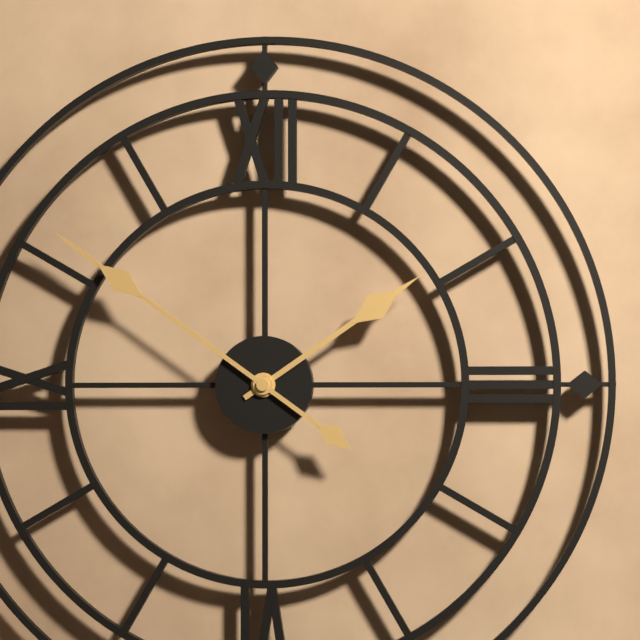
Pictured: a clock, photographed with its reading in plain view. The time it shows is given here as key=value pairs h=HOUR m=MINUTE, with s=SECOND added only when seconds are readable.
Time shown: h=1 m=51
